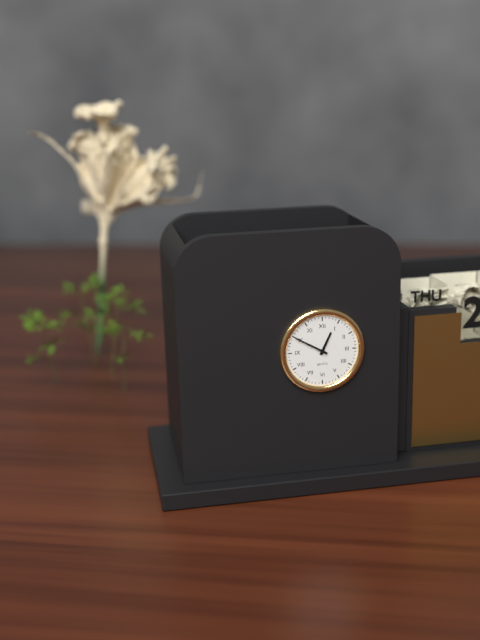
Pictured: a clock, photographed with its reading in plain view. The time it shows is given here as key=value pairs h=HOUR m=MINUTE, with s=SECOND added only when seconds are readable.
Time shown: h=12 m=50
